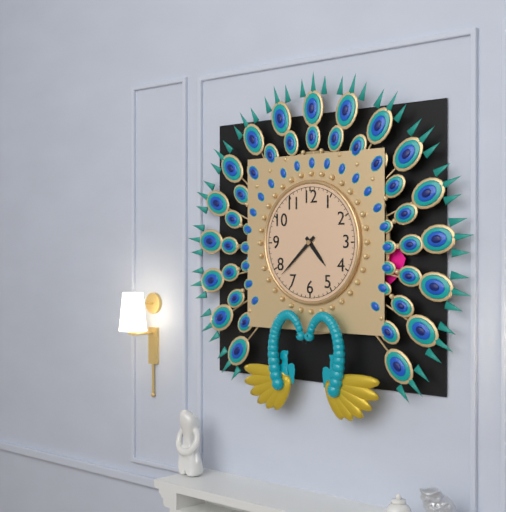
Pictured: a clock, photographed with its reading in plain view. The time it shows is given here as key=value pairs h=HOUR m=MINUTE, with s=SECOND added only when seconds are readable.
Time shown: h=4 m=38
